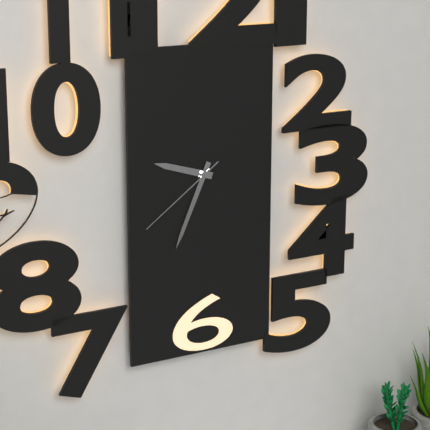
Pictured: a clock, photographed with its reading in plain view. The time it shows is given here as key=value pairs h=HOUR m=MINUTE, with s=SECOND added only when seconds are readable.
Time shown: h=9 m=34 s=39
